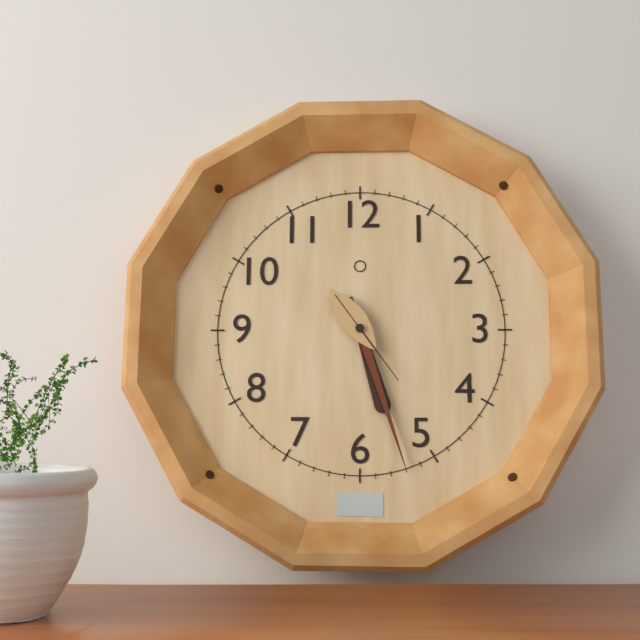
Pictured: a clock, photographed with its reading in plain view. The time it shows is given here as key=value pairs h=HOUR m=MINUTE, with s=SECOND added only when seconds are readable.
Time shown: h=5 m=27 s=24
